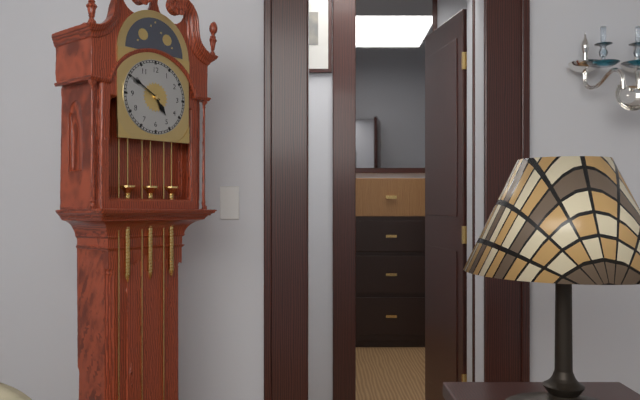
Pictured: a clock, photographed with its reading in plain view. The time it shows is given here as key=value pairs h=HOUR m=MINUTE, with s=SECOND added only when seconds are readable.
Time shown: h=4 m=50
